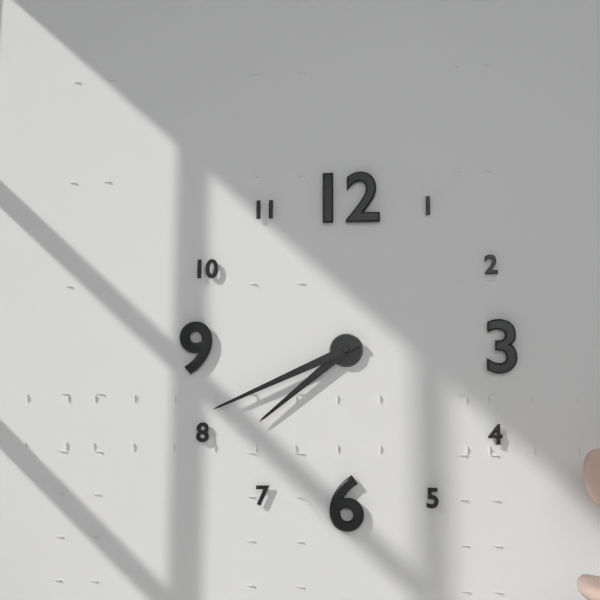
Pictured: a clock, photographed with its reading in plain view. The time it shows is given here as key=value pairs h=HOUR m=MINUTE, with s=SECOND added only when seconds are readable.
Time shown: h=7 m=41
